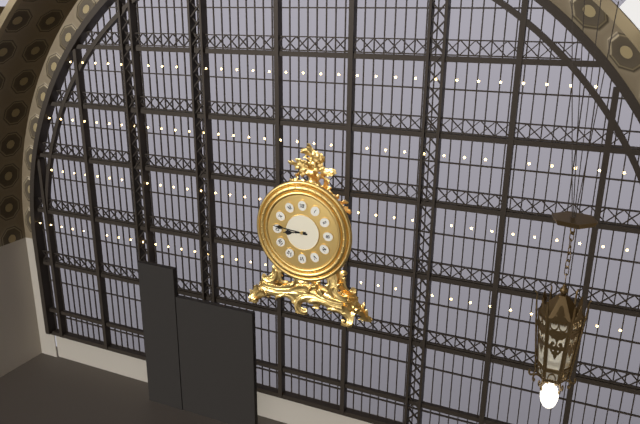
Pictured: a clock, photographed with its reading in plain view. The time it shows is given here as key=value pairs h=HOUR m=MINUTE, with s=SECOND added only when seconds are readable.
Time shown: h=8 m=46
